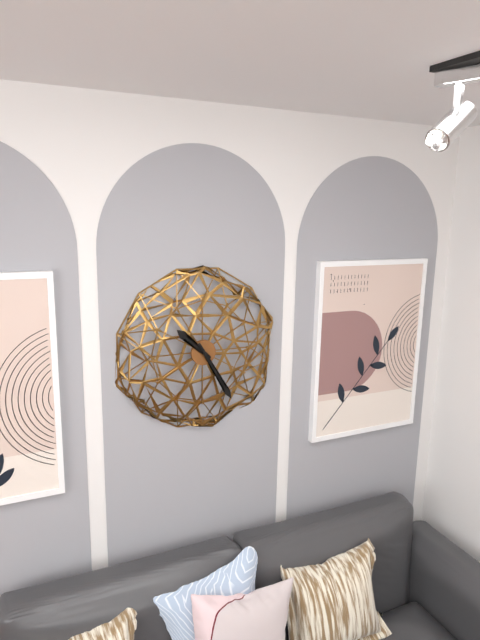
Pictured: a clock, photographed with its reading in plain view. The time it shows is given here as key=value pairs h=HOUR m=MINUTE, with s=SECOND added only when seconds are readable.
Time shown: h=10 m=25
